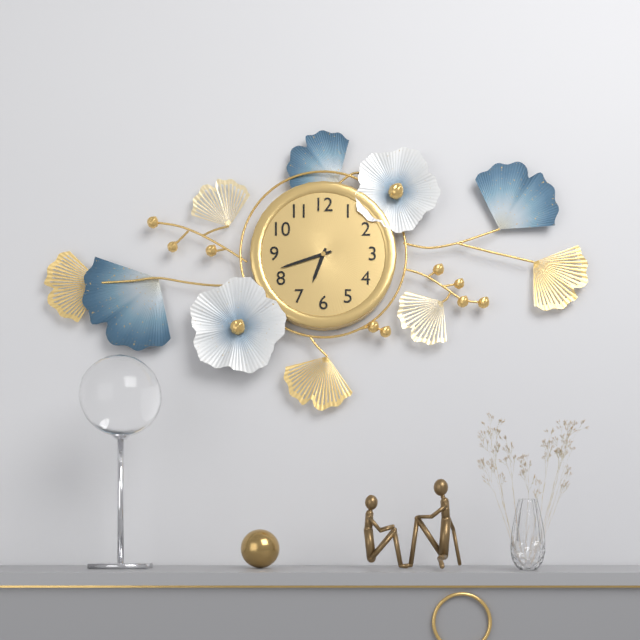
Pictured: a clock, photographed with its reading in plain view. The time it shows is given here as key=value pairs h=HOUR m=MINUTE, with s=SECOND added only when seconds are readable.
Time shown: h=6 m=42
